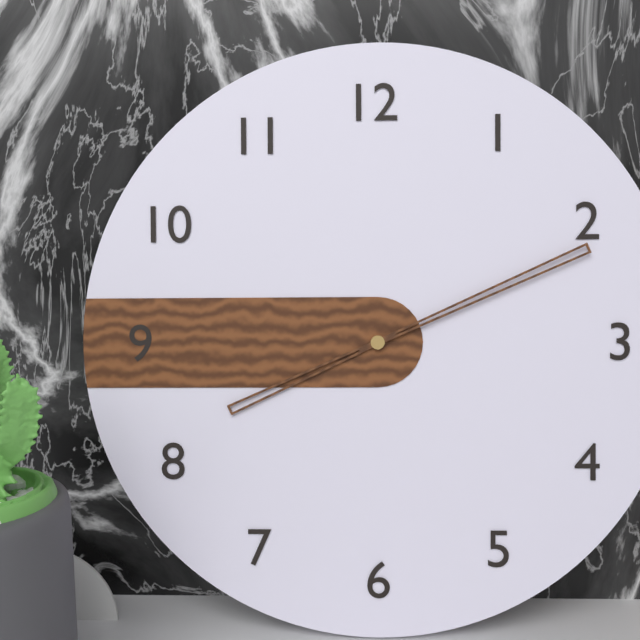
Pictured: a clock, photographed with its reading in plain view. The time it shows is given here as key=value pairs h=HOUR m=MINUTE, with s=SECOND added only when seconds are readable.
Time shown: h=8 m=11
